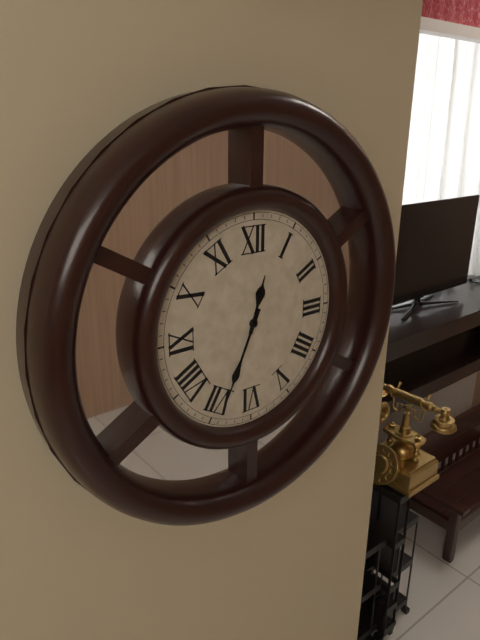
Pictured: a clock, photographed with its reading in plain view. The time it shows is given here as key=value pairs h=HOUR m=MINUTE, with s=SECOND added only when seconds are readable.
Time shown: h=12 m=34
